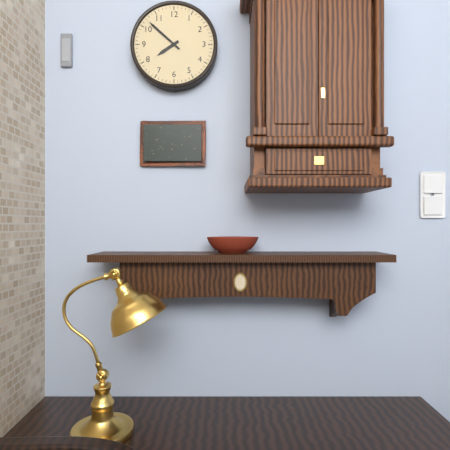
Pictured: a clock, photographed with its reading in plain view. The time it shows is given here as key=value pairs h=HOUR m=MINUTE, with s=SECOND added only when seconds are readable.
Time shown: h=7 m=52
